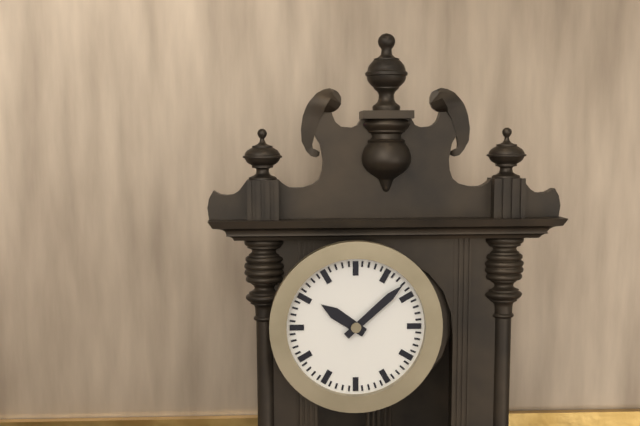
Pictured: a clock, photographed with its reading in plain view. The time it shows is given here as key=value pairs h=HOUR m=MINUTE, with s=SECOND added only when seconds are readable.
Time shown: h=10 m=8
